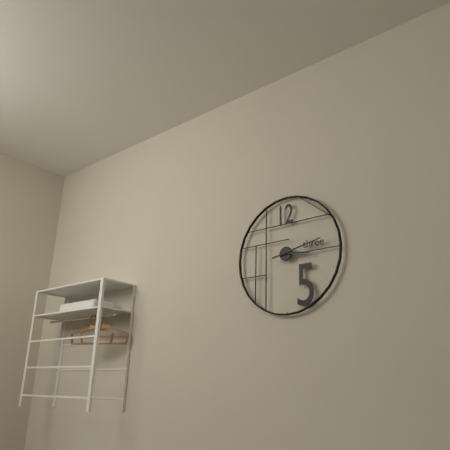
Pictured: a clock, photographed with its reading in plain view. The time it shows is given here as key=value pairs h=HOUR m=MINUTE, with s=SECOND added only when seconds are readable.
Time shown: h=3 m=13
